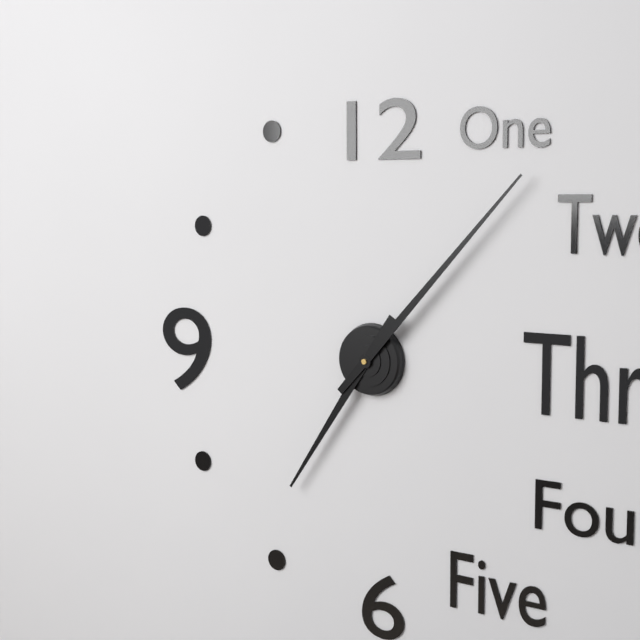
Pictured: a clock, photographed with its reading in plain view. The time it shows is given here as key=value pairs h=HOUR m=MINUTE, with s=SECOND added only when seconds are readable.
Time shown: h=7 m=7
